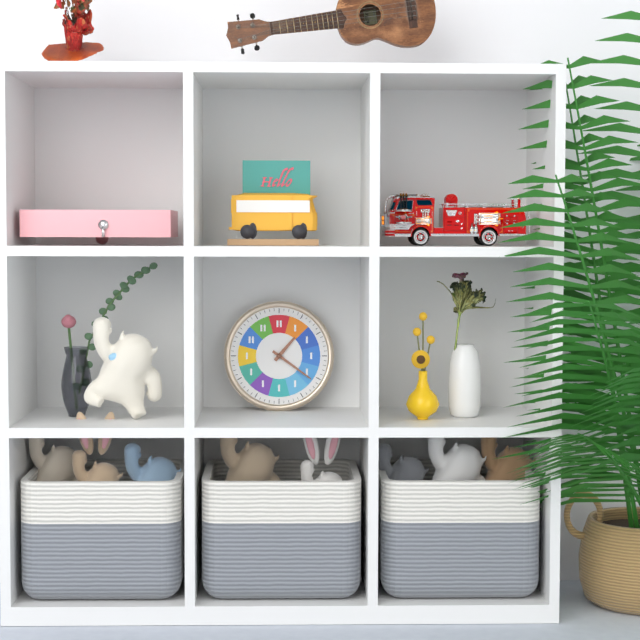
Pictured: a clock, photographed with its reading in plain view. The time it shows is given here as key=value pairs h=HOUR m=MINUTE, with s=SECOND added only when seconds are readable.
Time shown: h=1 m=21
